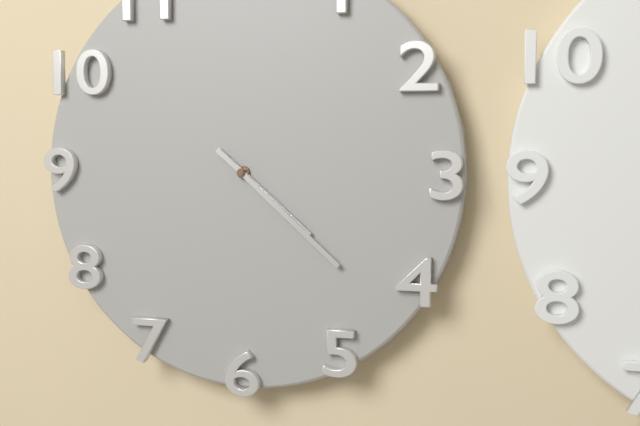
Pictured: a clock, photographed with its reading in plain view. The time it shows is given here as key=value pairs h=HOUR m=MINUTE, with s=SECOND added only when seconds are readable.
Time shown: h=4 m=22
